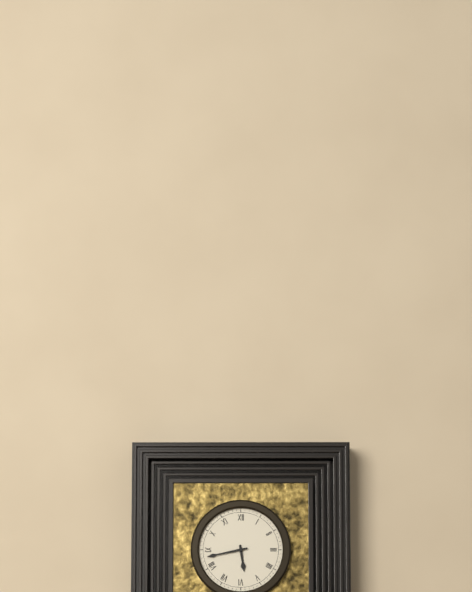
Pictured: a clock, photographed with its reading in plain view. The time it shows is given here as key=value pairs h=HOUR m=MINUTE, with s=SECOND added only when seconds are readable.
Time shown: h=5 m=43
